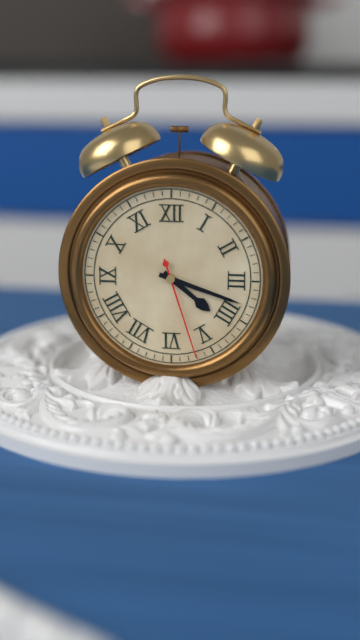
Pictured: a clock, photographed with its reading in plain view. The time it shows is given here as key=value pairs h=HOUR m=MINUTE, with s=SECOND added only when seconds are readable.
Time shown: h=4 m=18 s=27
